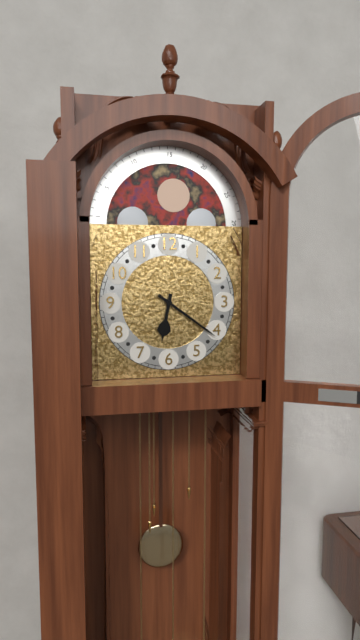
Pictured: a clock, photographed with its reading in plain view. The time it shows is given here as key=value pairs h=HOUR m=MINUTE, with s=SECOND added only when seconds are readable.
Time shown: h=6 m=21
